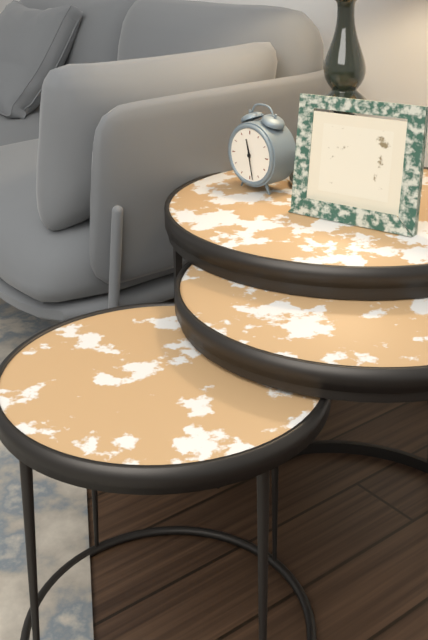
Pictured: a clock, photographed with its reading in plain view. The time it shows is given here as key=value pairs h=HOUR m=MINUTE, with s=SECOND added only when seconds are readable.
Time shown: h=11 m=28
